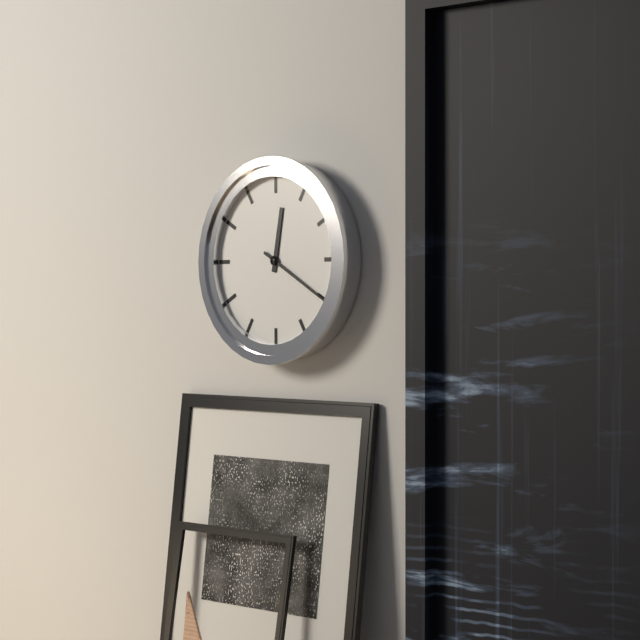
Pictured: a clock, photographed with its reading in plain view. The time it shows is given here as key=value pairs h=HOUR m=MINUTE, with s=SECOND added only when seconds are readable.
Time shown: h=12 m=20
